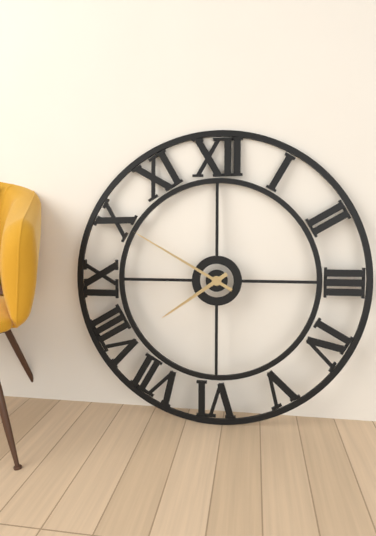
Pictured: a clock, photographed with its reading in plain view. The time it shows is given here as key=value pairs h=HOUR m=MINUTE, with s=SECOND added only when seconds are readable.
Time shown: h=7 m=50
